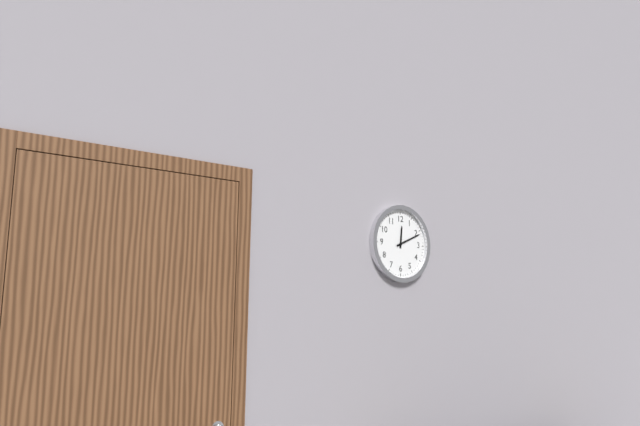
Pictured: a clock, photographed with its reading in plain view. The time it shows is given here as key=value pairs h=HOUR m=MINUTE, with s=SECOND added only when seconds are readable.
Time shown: h=12 m=11
